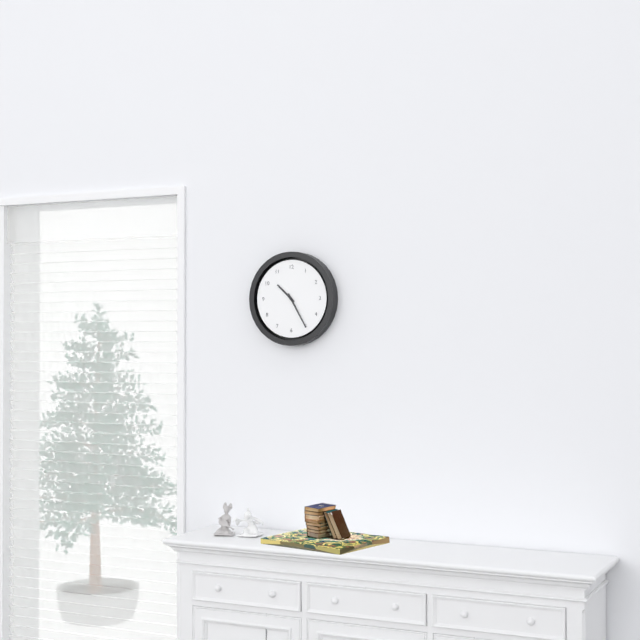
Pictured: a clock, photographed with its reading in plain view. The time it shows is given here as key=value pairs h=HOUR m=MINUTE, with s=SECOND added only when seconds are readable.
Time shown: h=10 m=25
